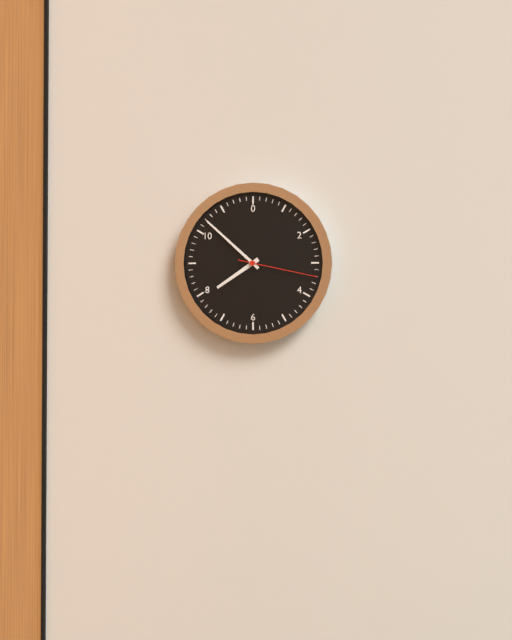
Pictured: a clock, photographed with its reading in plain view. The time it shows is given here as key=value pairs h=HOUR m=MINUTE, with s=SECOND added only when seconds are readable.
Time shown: h=7 m=52 s=17
